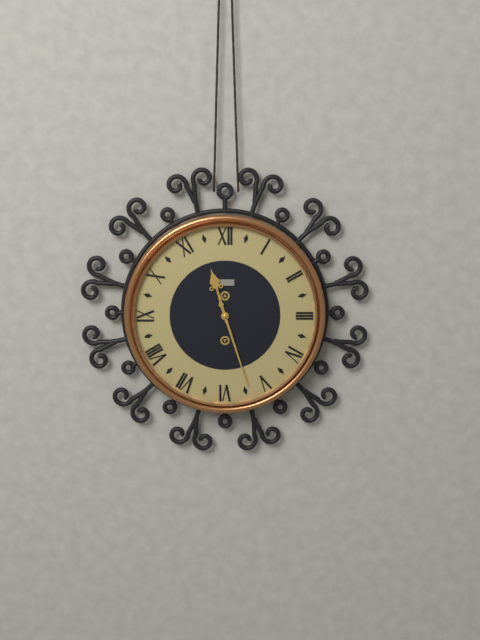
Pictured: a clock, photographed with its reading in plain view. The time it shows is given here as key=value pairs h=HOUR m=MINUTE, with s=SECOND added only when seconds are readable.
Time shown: h=11 m=27
